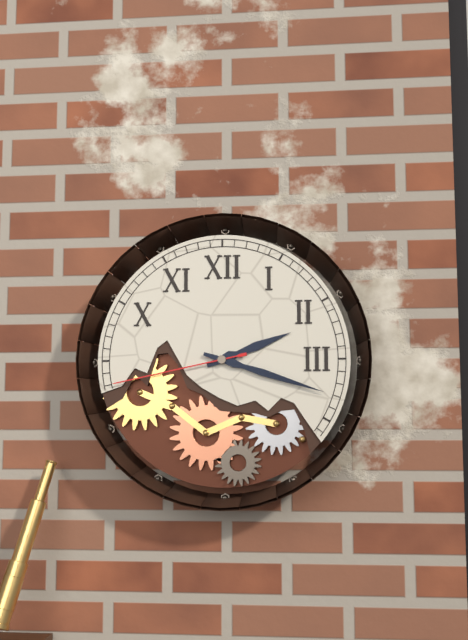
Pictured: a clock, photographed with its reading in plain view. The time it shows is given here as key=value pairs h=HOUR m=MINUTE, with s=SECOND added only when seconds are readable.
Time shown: h=2 m=18 s=43
